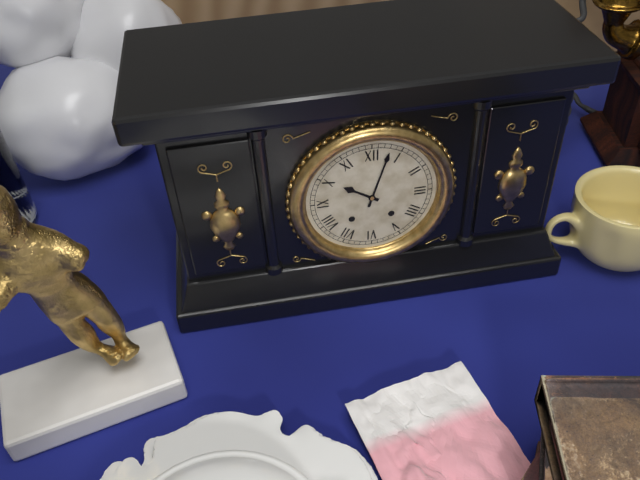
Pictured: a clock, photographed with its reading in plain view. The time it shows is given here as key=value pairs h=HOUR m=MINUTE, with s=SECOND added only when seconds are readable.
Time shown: h=10 m=3
